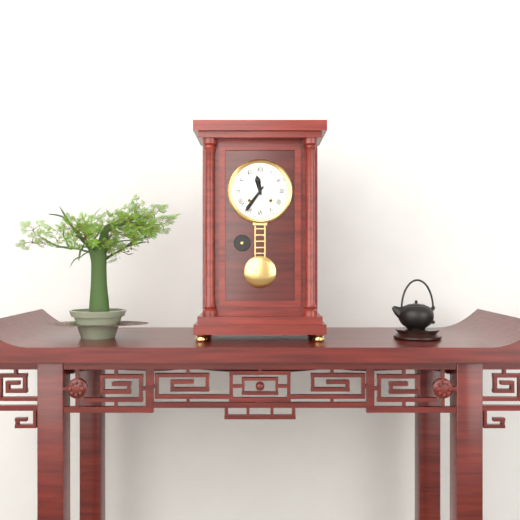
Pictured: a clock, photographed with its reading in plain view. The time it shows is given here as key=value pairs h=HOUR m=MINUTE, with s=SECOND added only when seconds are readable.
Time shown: h=11 m=36
